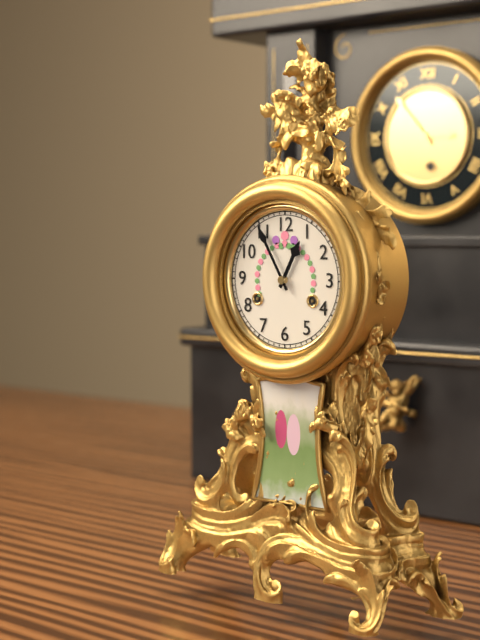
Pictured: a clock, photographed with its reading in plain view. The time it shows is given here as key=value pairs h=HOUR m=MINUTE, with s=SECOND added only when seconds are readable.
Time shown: h=12 m=55
